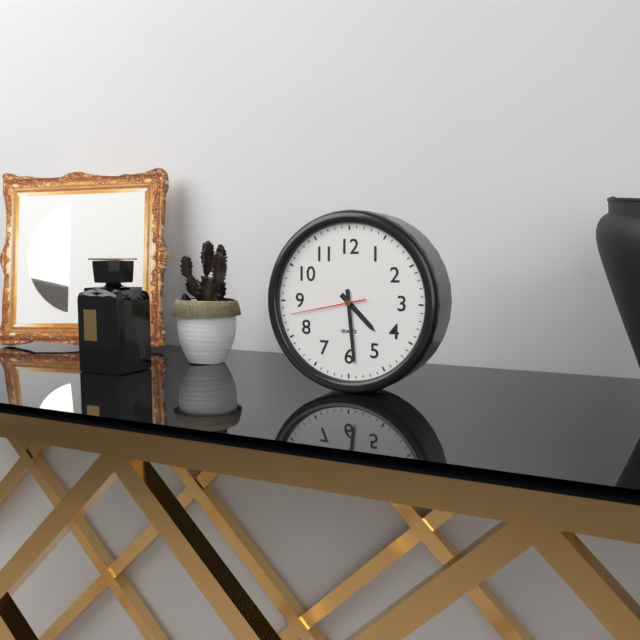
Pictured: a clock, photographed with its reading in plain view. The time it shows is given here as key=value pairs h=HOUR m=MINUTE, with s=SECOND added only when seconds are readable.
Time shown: h=4 m=29 s=43
